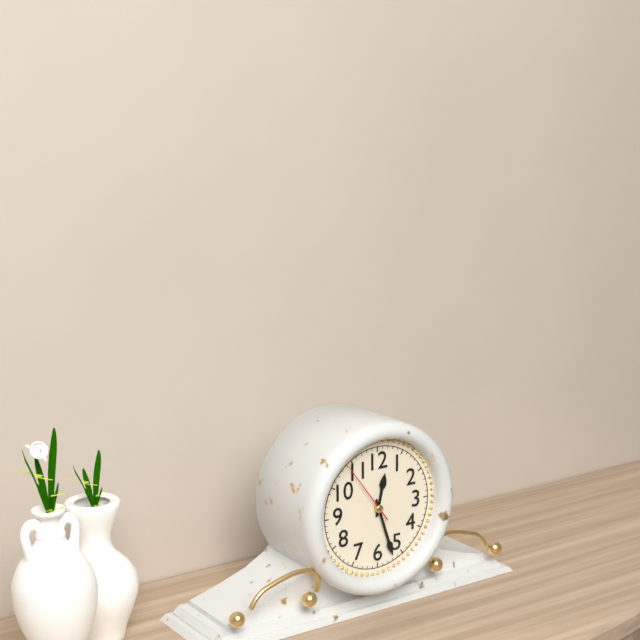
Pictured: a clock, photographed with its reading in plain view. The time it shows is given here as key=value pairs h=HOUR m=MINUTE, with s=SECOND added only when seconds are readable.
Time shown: h=12 m=27 s=54
